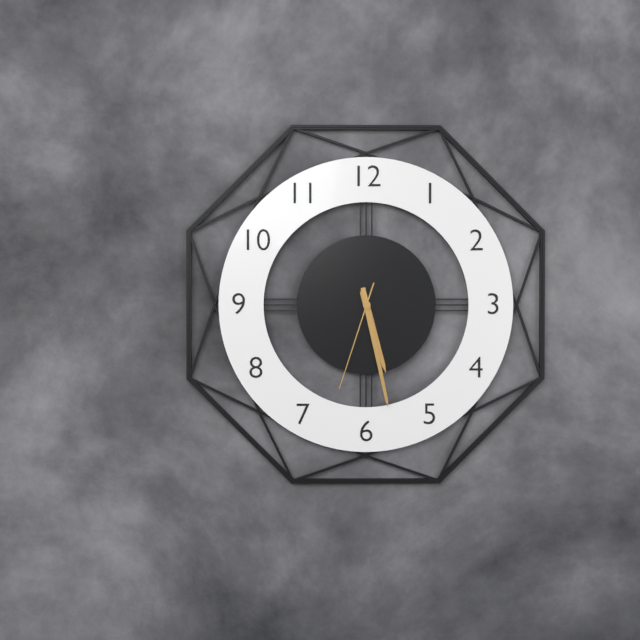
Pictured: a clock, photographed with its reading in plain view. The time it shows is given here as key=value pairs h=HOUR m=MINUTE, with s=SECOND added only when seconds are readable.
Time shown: h=5 m=28 s=33
